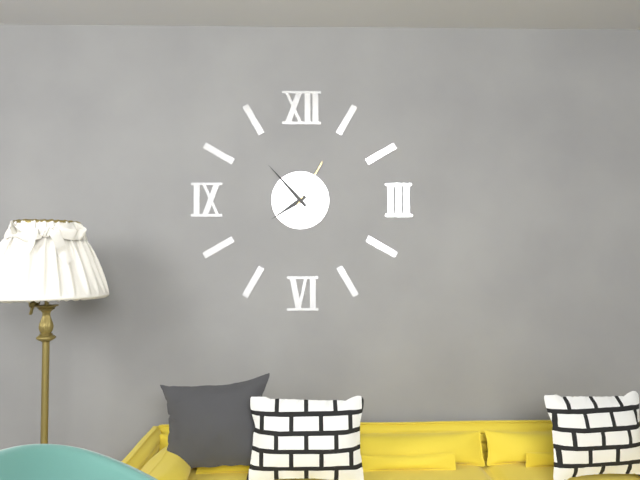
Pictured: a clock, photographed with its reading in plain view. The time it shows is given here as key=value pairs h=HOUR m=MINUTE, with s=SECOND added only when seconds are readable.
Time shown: h=7 m=53 s=5
